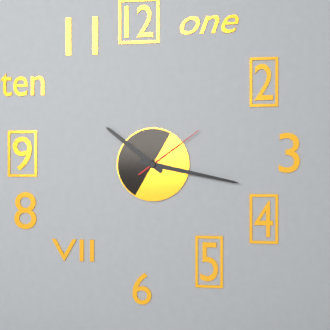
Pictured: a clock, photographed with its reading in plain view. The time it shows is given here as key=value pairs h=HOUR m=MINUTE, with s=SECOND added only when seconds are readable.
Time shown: h=10 m=17 s=9
